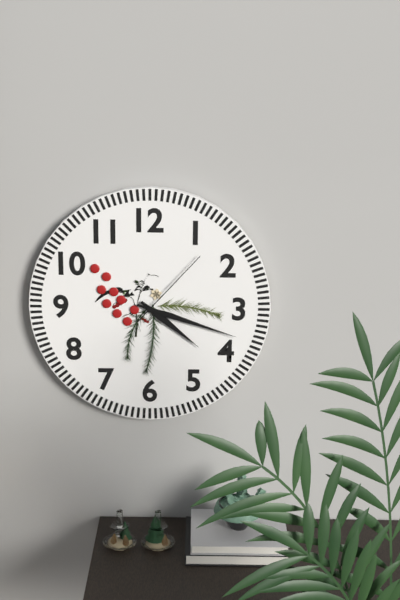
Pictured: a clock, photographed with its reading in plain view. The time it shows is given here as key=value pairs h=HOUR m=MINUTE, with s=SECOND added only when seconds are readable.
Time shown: h=4 m=18 s=7
